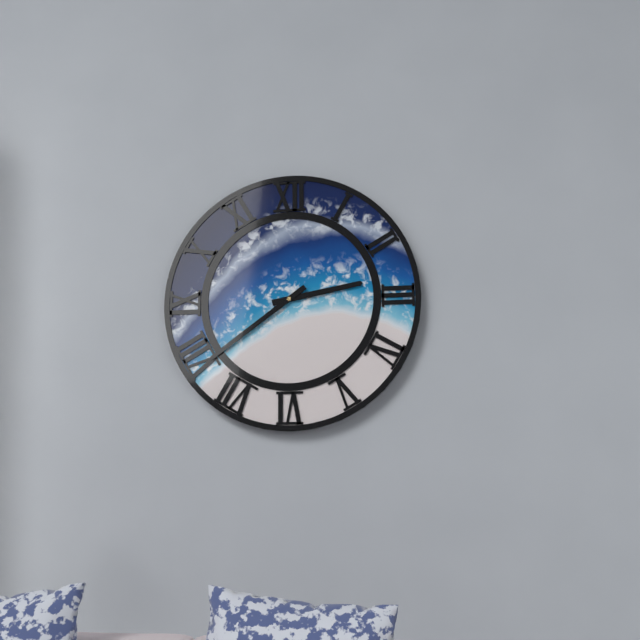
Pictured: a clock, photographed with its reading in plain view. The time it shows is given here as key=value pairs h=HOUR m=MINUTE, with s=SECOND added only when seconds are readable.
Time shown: h=2 m=39
